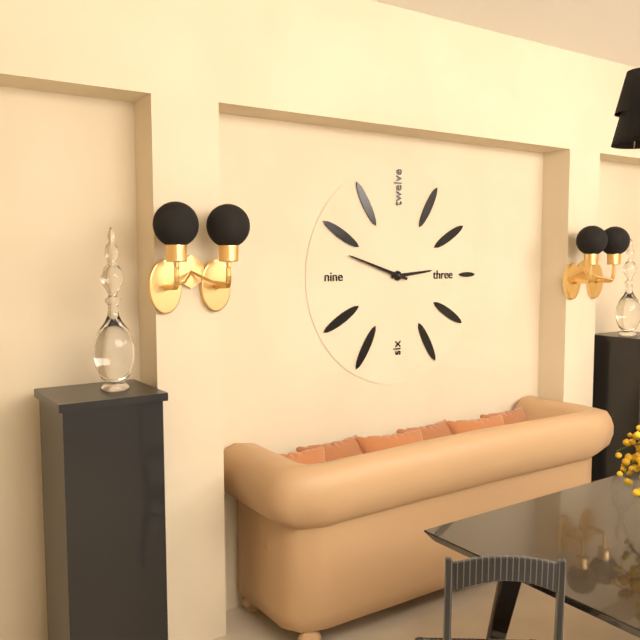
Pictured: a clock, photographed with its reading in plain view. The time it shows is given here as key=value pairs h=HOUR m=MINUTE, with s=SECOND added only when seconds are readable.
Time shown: h=2 m=48
